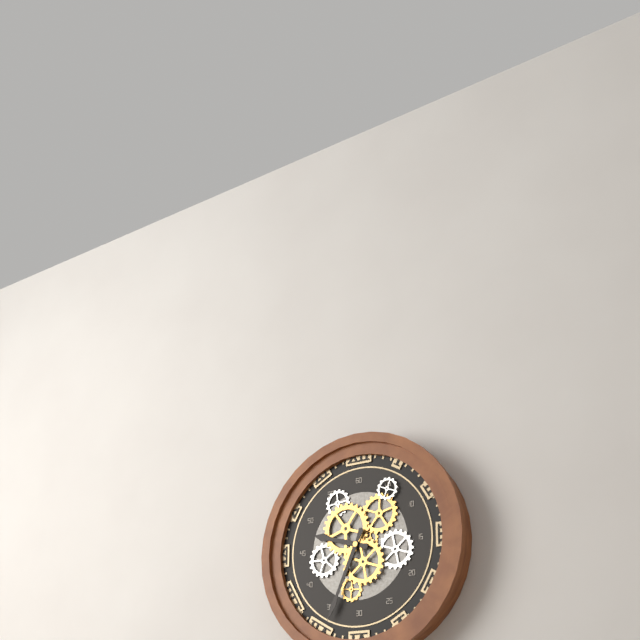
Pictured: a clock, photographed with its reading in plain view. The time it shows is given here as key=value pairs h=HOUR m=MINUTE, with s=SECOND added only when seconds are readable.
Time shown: h=9 m=34
